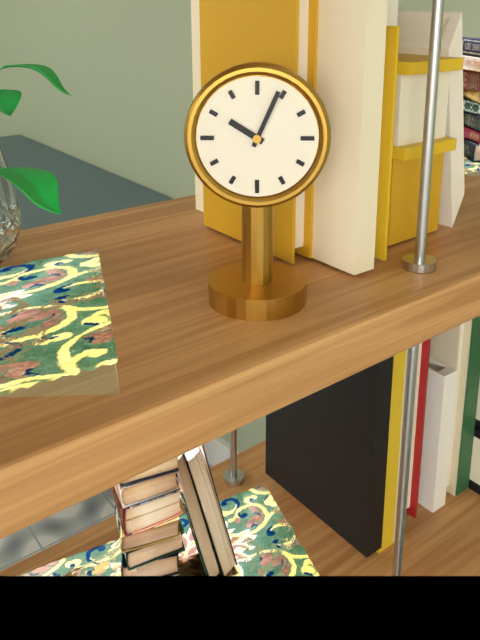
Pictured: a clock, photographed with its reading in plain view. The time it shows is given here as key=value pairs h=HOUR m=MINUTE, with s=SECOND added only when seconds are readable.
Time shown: h=10 m=4
